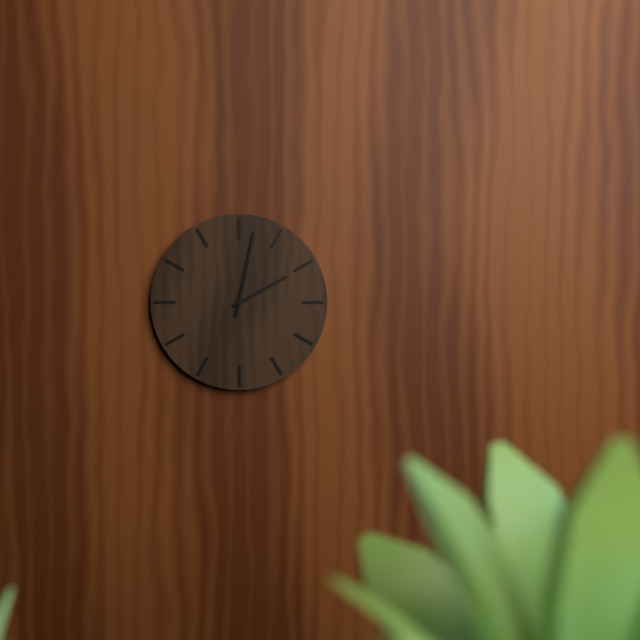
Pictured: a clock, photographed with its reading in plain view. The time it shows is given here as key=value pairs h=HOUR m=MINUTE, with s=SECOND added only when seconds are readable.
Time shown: h=2 m=2
